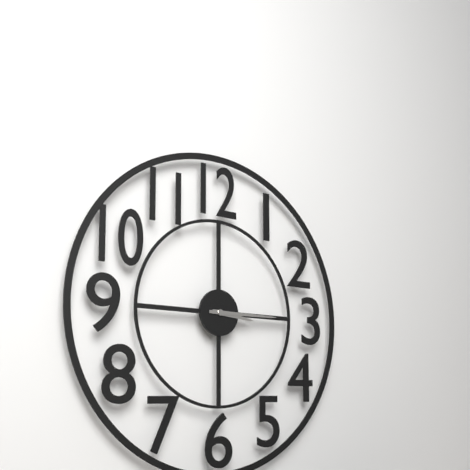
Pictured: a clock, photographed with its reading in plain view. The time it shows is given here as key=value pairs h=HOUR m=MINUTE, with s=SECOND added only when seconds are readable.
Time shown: h=3 m=15
